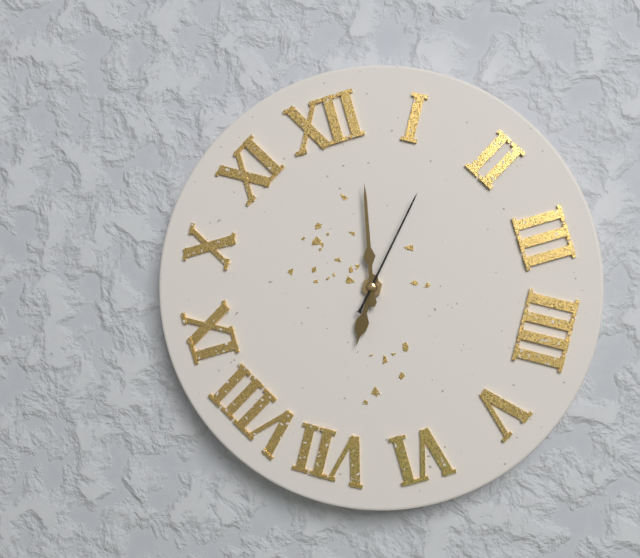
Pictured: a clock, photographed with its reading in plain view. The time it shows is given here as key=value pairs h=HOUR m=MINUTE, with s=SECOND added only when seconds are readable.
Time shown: h=7 m=2 s=7
